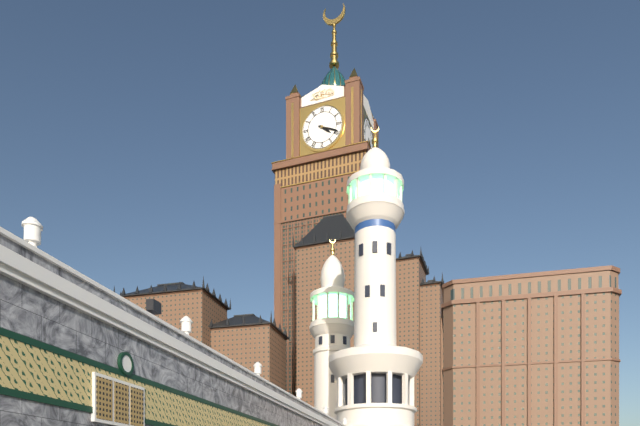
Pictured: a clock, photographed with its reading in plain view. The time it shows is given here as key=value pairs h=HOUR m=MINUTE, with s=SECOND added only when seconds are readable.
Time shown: h=4 m=19
